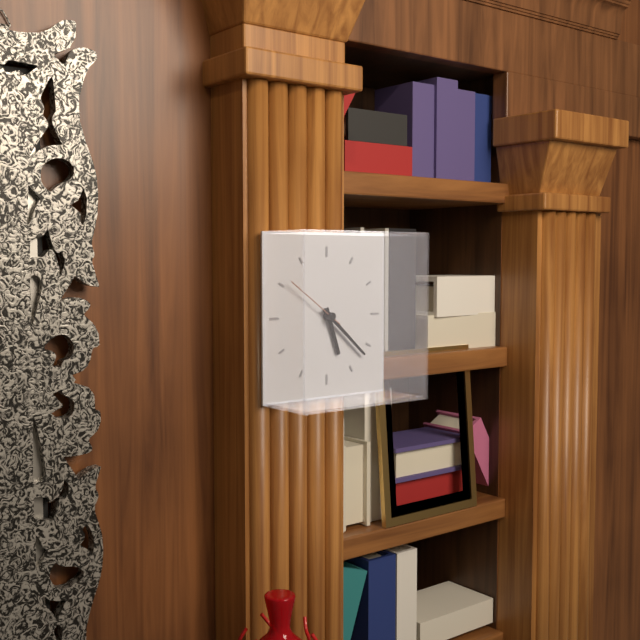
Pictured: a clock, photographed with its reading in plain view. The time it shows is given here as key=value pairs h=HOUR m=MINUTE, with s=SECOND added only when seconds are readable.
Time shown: h=5 m=22 s=51
